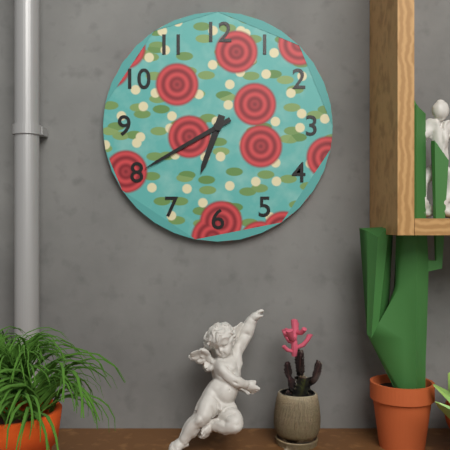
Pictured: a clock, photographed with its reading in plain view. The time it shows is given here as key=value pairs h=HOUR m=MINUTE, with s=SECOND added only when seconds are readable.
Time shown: h=6 m=40
